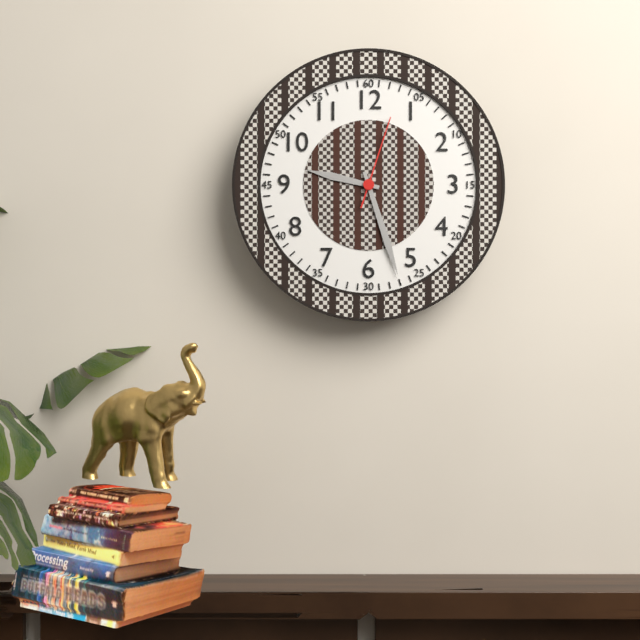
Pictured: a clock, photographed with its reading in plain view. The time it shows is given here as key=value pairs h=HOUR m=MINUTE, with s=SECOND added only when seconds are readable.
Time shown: h=9 m=27 s=3
